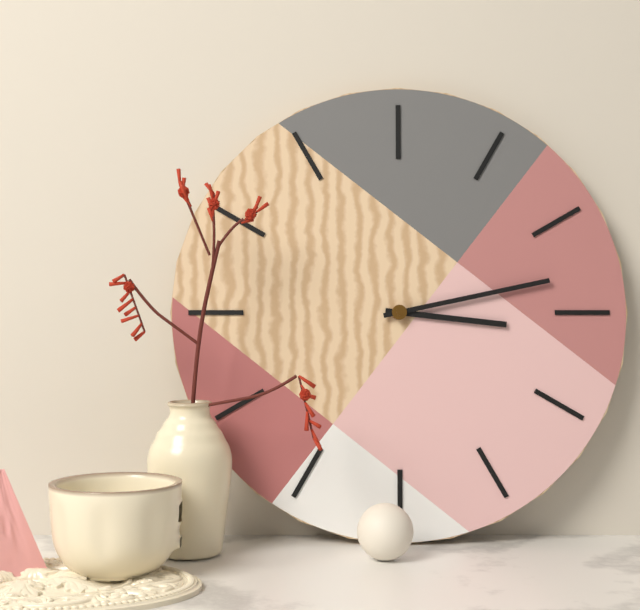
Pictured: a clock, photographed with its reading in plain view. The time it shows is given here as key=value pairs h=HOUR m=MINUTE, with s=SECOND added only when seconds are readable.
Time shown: h=3 m=13
